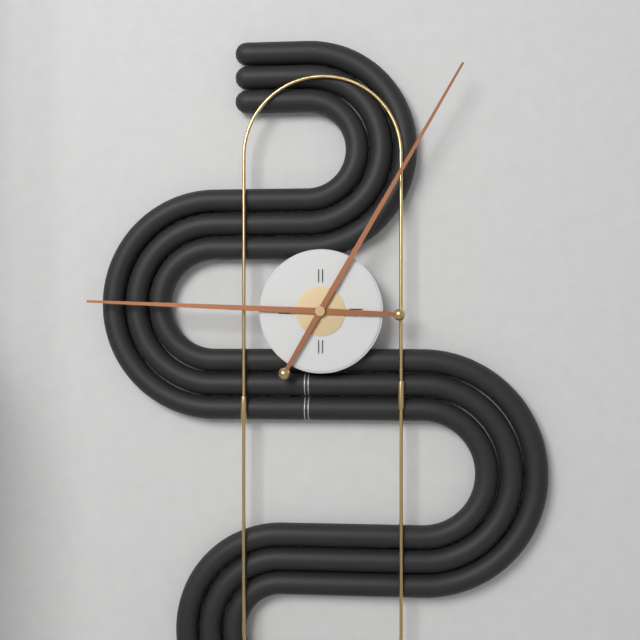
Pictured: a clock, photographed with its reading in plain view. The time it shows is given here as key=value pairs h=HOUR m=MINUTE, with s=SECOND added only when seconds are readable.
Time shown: h=9 m=5
